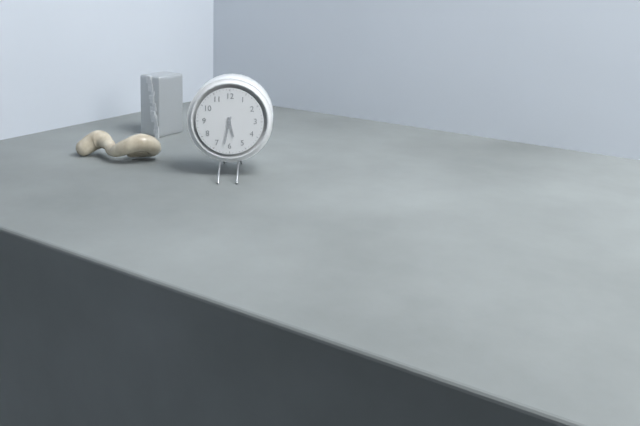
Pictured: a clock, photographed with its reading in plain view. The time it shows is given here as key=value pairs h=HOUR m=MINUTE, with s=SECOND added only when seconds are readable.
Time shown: h=5 m=32
